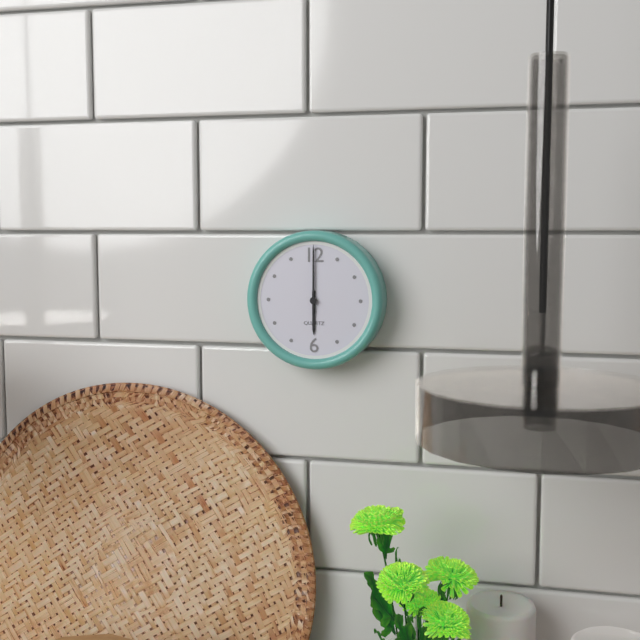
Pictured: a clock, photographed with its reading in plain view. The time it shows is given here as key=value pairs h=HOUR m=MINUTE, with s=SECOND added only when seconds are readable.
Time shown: h=6 m=0
